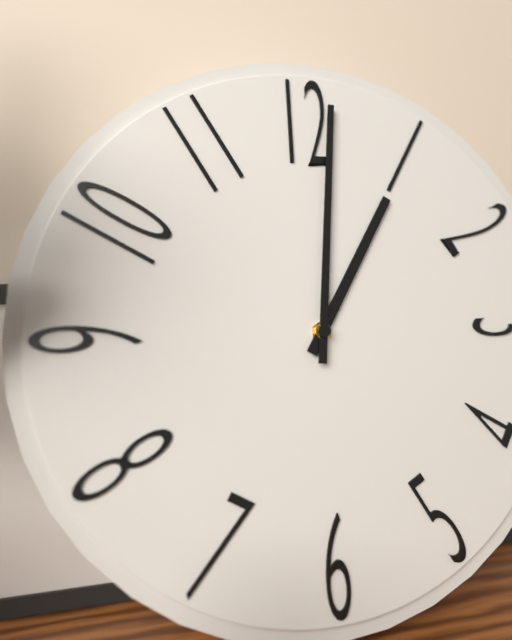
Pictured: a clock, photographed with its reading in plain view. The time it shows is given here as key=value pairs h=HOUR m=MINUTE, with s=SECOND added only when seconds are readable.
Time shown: h=1 m=1
